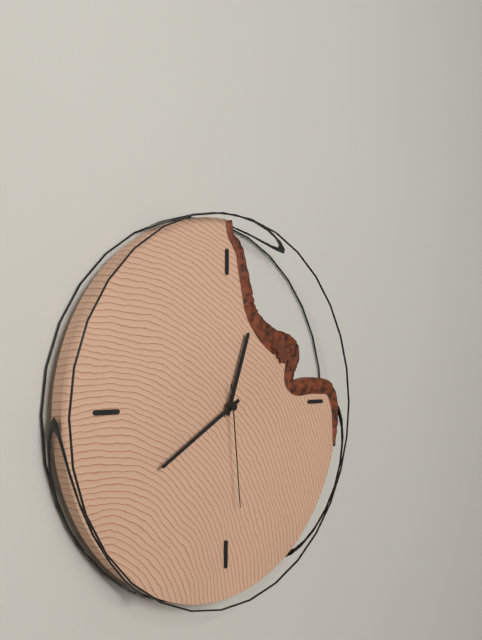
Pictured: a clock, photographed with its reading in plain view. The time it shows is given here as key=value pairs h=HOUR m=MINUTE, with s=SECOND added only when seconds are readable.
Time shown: h=12 m=40 s=29
